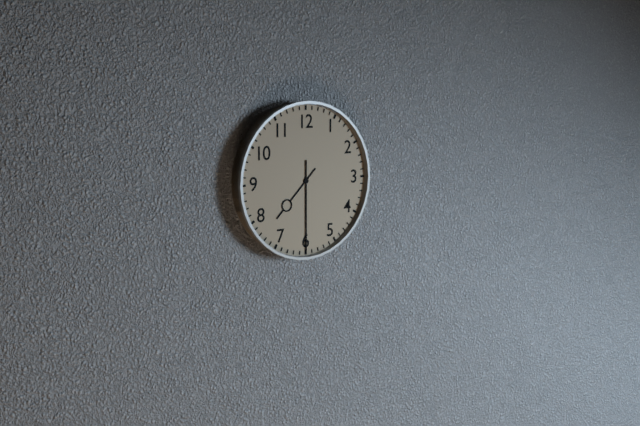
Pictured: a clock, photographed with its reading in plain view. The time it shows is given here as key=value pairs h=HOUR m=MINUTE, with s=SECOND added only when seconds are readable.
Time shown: h=7 m=30
